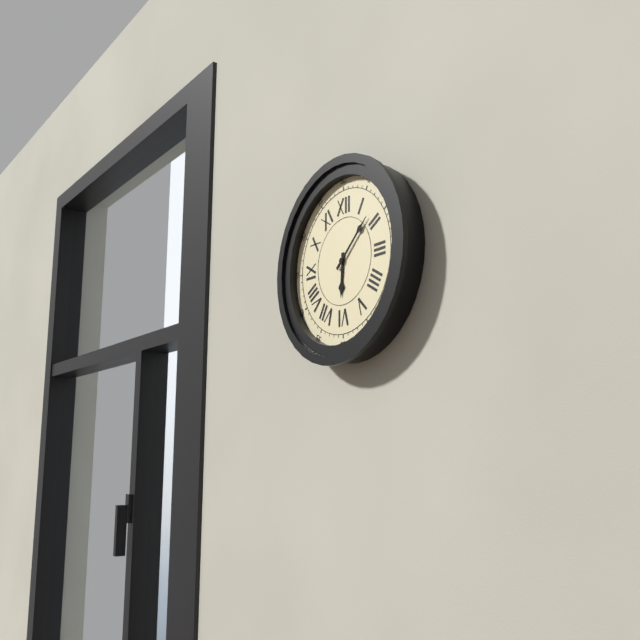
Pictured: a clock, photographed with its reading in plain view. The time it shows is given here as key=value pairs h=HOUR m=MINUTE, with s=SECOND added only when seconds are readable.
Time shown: h=6 m=8
